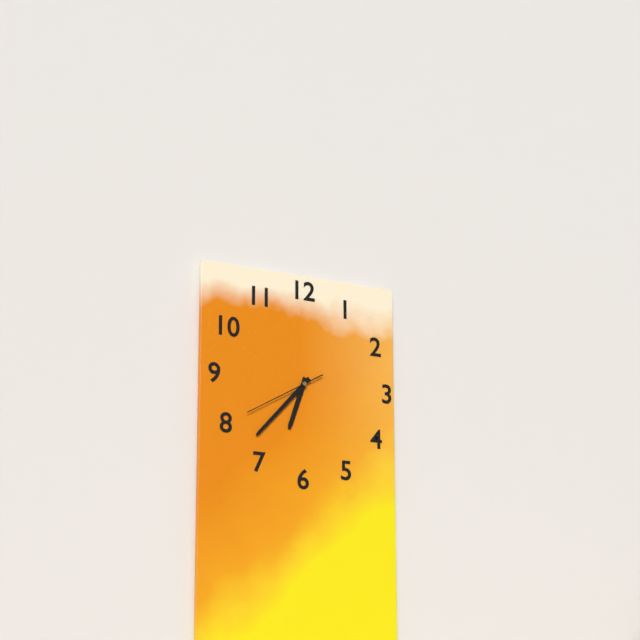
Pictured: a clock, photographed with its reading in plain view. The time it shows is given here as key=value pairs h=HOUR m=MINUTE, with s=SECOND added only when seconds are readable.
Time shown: h=6 m=37 s=40
